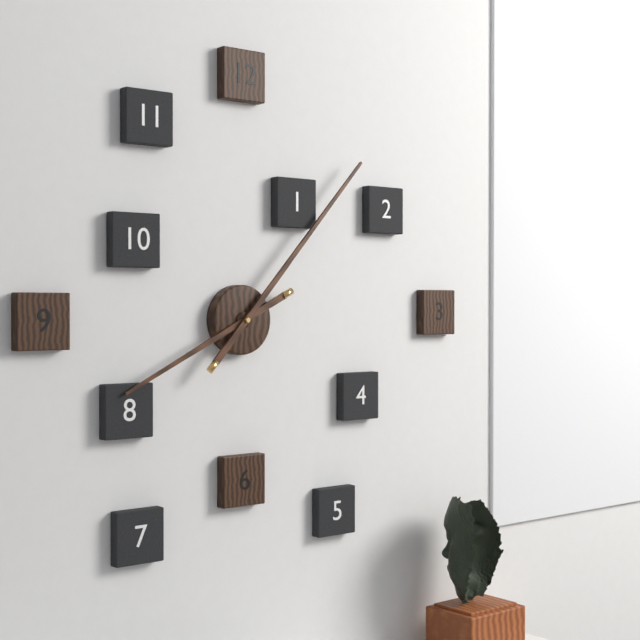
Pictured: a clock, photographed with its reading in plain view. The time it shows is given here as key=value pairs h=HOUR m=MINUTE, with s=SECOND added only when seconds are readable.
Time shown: h=8 m=7
